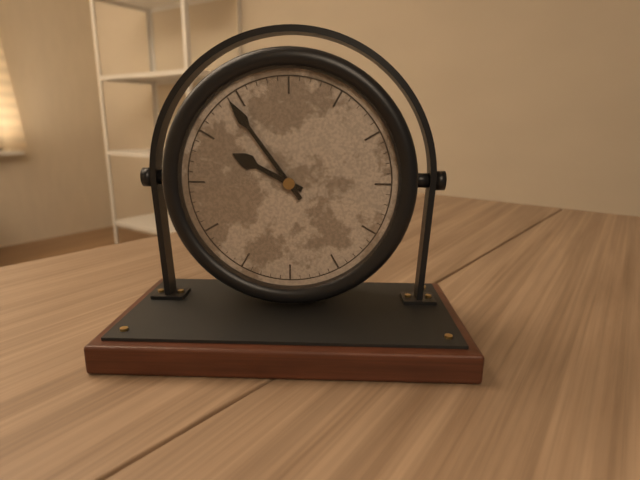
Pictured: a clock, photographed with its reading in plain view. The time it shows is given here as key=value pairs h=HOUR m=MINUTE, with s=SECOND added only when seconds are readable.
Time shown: h=9 m=54
